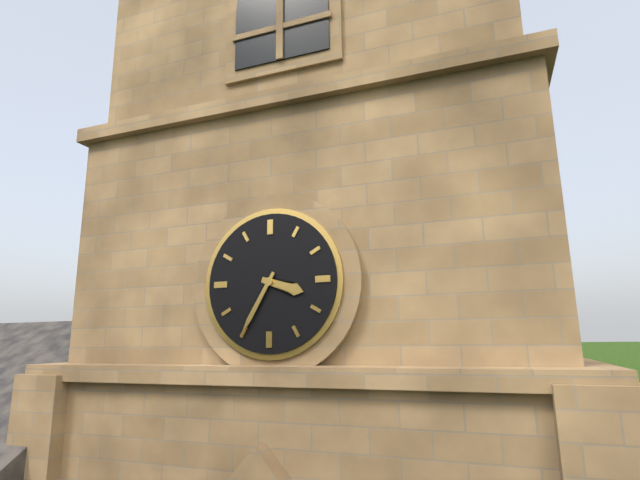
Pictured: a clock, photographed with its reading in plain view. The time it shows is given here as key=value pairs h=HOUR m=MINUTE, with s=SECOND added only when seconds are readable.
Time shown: h=3 m=35
